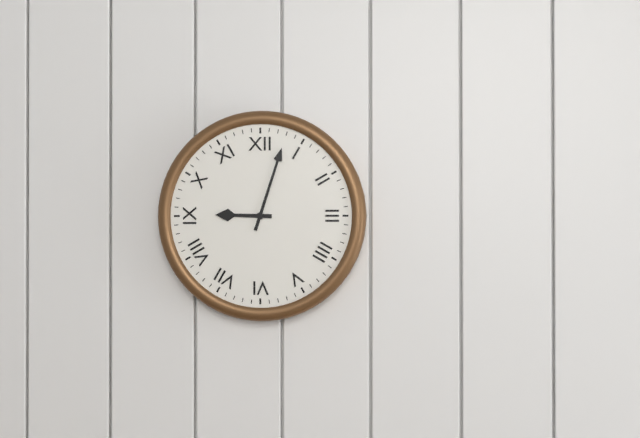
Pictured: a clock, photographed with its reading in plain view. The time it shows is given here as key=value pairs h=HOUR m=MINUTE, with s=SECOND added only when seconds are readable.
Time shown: h=9 m=3
